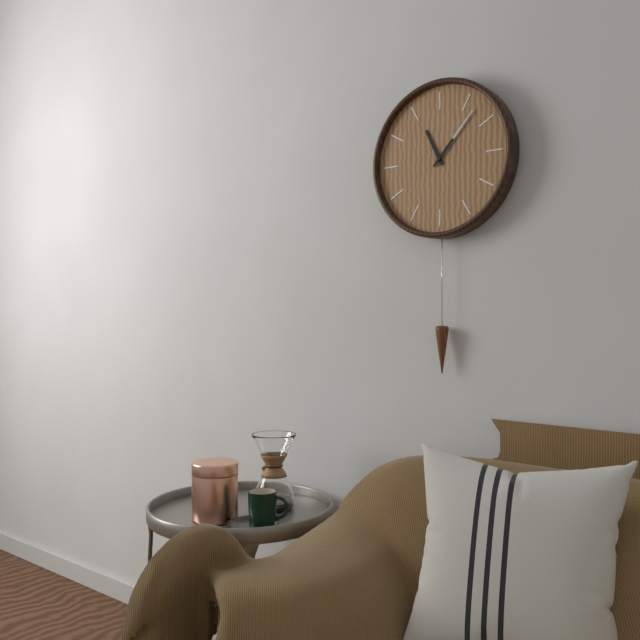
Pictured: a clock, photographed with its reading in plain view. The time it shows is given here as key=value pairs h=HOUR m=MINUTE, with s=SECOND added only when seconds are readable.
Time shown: h=11 m=7
